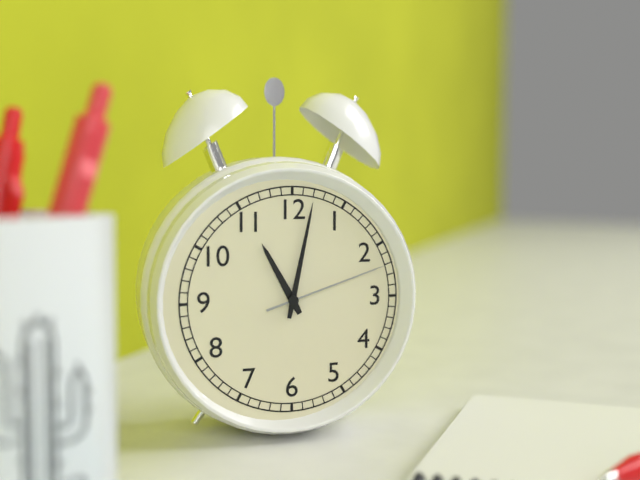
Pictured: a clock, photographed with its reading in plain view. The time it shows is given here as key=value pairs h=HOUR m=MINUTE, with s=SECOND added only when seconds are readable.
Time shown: h=11 m=2 s=12
